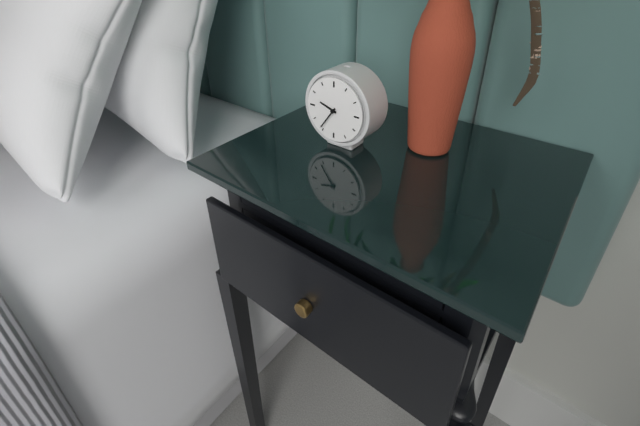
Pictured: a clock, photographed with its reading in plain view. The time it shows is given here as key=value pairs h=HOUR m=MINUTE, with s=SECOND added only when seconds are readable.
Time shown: h=9 m=36
